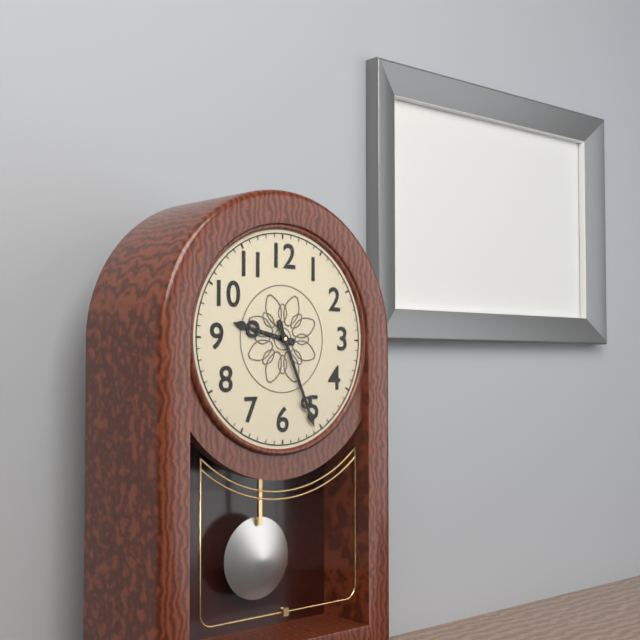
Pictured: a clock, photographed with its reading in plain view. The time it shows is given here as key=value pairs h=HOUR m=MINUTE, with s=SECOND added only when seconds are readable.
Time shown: h=9 m=26
